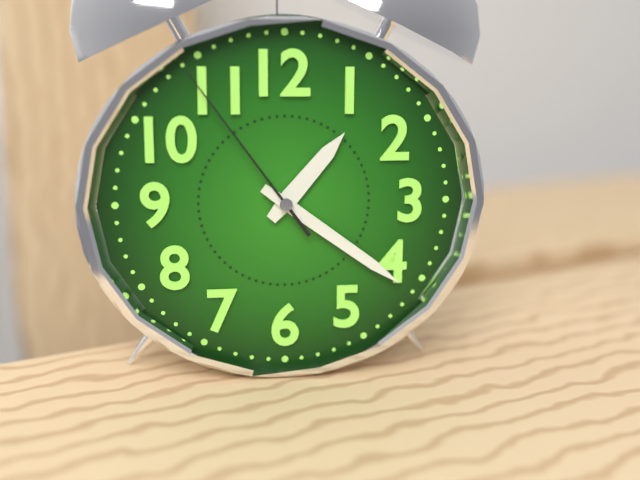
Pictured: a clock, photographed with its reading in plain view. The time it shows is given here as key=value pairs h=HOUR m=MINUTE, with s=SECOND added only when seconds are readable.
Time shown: h=1 m=21 s=54
